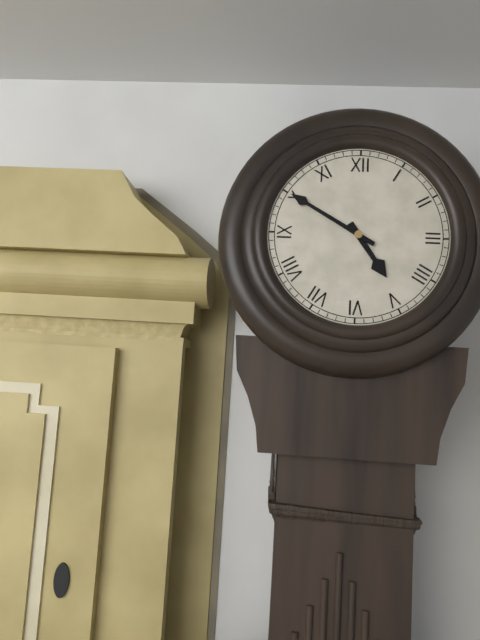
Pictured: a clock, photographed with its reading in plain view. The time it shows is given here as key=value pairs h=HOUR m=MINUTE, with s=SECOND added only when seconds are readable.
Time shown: h=4 m=50
